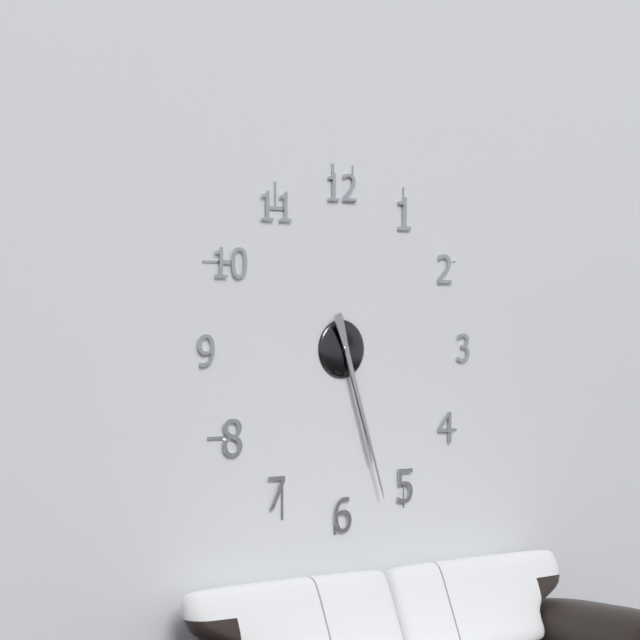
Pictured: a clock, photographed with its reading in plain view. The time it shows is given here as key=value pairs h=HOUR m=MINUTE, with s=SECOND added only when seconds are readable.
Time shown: h=5 m=27
